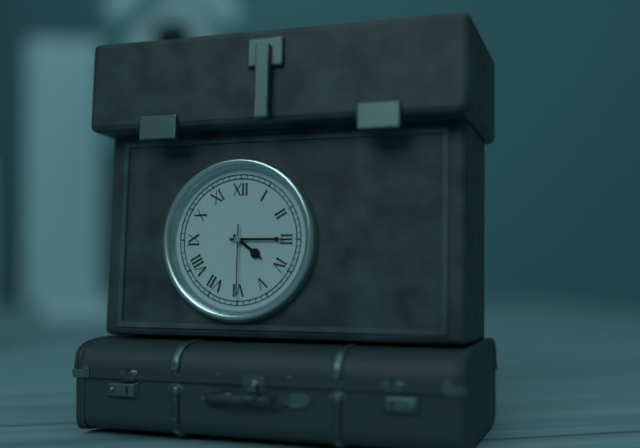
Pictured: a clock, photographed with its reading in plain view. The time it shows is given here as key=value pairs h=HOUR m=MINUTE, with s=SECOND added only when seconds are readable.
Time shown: h=4 m=15 s=30
